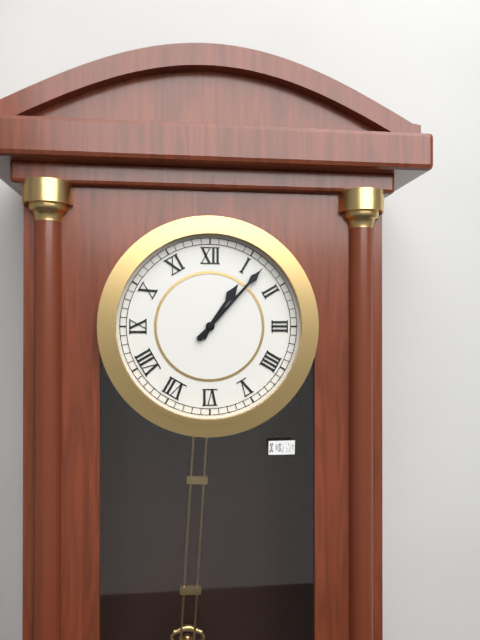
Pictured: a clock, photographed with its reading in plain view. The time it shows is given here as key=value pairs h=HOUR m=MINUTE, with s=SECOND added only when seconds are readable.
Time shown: h=1 m=7
